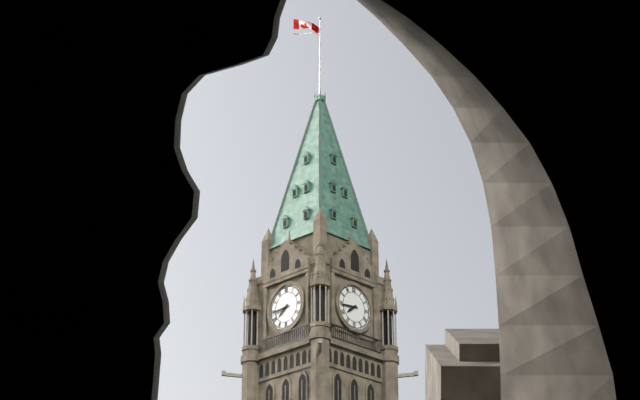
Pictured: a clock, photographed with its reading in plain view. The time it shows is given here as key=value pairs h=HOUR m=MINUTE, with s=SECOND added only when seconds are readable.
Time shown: h=7 m=44
